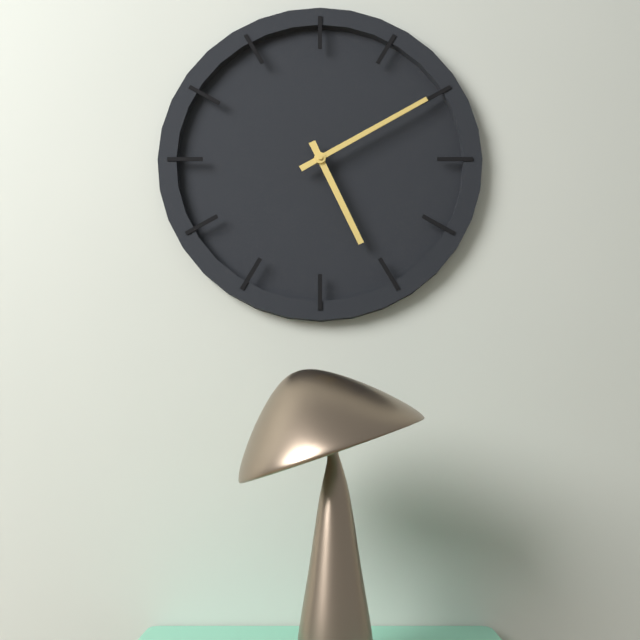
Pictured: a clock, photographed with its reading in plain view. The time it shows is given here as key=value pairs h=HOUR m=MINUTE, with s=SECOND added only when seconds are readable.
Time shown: h=5 m=10
